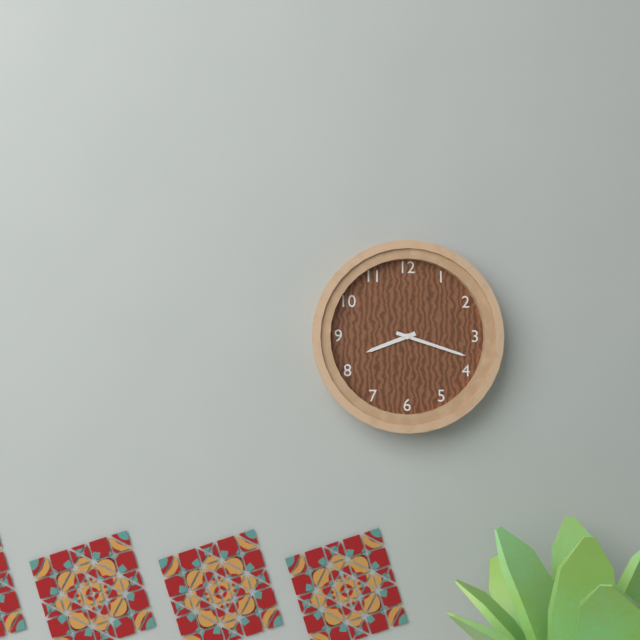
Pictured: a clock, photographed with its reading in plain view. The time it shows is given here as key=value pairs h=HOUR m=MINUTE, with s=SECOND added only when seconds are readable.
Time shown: h=8 m=18
